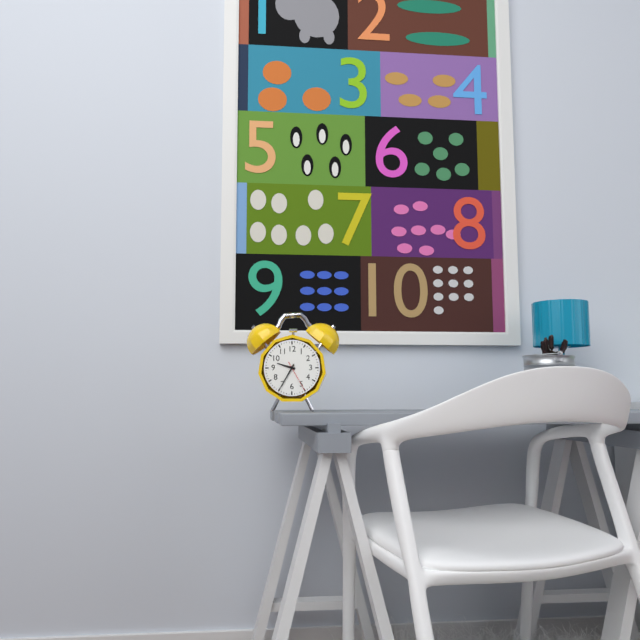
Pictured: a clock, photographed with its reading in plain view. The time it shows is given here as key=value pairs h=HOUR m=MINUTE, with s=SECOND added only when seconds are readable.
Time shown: h=9 m=35
